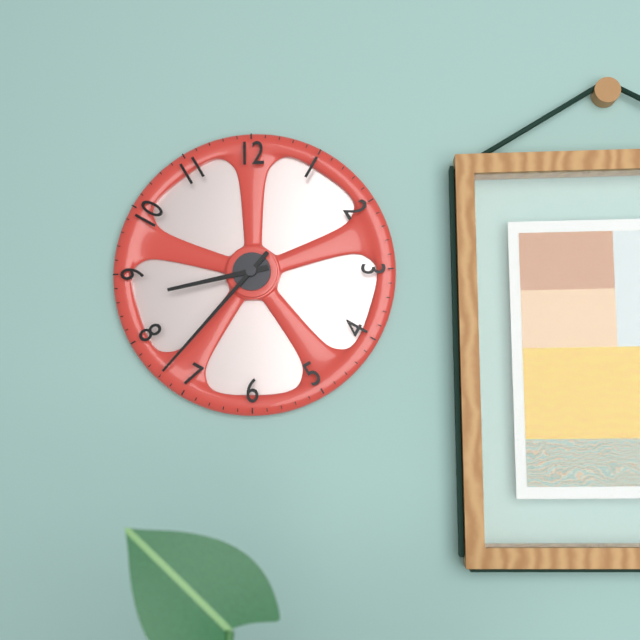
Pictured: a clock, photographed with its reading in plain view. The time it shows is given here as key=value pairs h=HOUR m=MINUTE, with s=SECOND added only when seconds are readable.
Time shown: h=8 m=37
